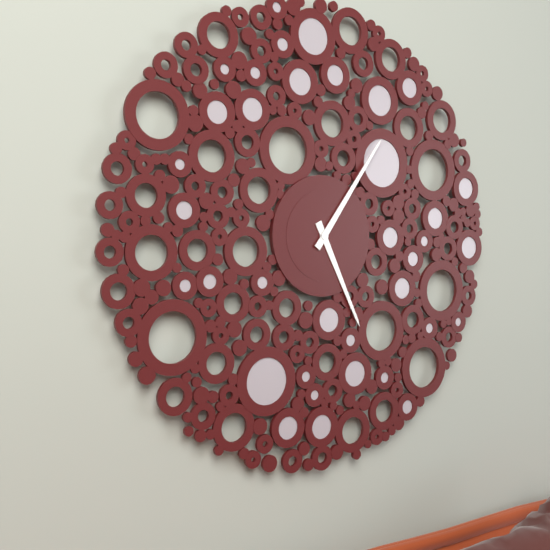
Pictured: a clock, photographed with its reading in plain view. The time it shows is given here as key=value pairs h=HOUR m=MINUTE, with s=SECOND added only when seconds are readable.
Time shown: h=5 m=6
